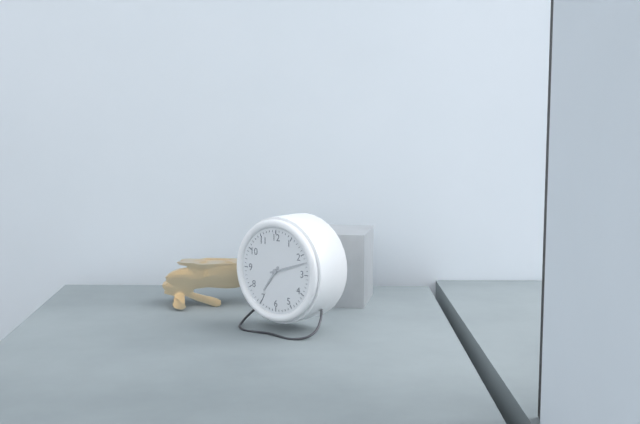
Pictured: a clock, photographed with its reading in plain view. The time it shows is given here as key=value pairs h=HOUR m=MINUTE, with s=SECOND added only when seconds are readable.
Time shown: h=7 m=12
